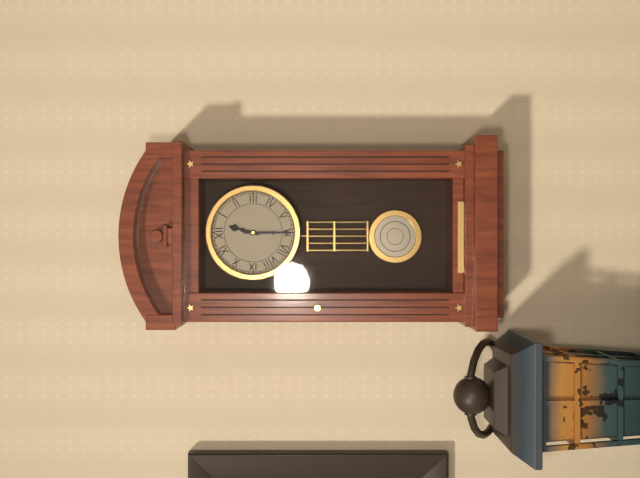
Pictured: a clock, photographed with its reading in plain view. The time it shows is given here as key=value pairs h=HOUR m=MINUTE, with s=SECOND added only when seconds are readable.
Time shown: h=12 m=30
